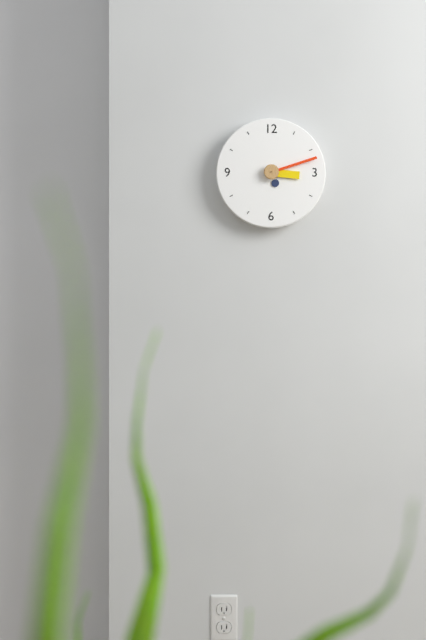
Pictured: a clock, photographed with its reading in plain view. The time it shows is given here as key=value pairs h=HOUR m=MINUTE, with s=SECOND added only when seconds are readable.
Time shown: h=3 m=12
